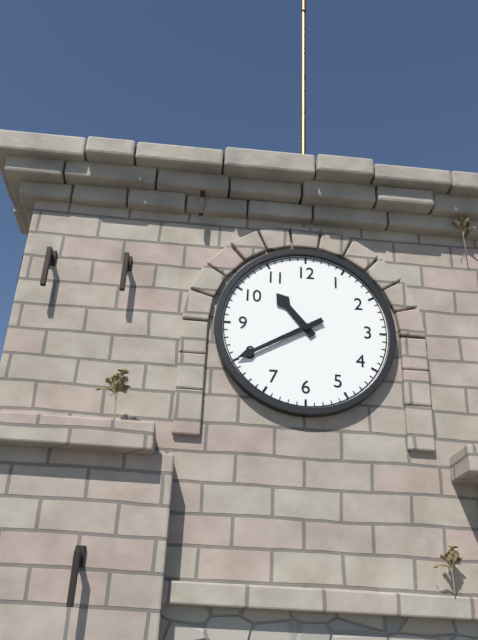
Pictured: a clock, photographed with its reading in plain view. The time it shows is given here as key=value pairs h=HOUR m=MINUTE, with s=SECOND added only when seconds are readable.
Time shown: h=10 m=40
